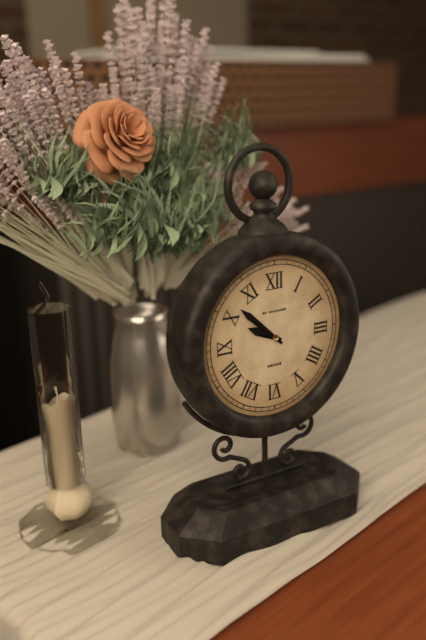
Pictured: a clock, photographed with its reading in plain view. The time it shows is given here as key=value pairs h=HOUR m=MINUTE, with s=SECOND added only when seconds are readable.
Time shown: h=9 m=52
